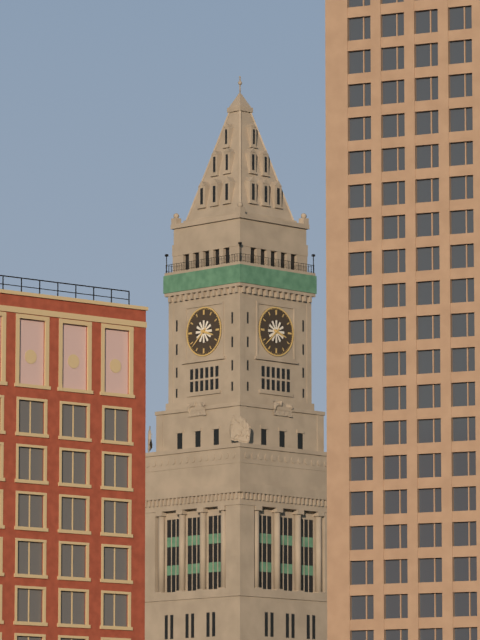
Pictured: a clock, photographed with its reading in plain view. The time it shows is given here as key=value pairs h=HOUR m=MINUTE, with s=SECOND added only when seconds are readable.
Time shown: h=3 m=38
